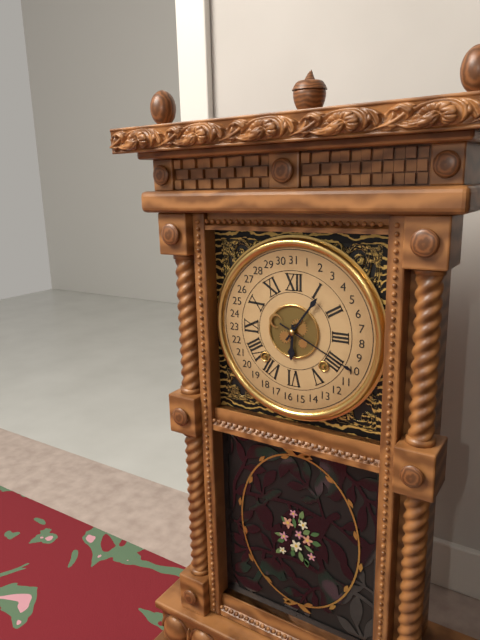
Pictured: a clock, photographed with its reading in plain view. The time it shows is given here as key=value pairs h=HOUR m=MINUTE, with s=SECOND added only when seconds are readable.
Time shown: h=6 m=6
